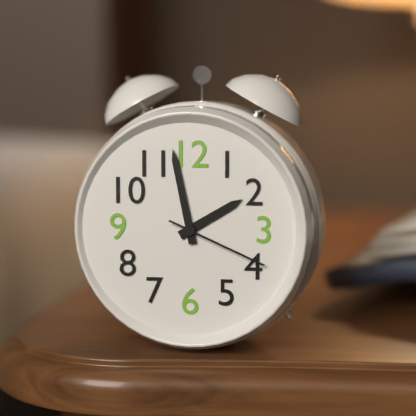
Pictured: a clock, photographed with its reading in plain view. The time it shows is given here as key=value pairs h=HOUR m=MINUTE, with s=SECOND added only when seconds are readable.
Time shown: h=1 m=58 s=19
